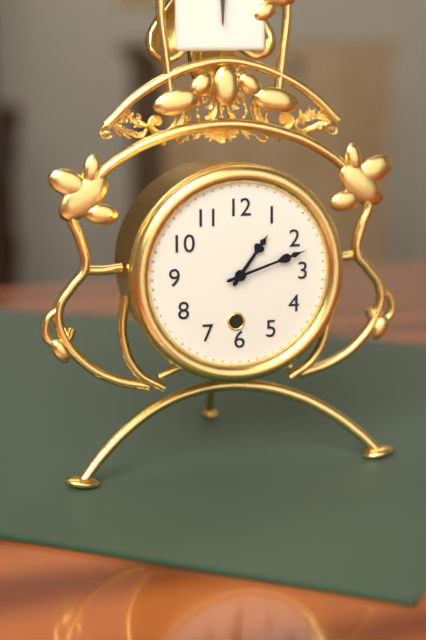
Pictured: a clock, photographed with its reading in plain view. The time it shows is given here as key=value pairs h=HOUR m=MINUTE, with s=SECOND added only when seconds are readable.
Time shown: h=1 m=12
